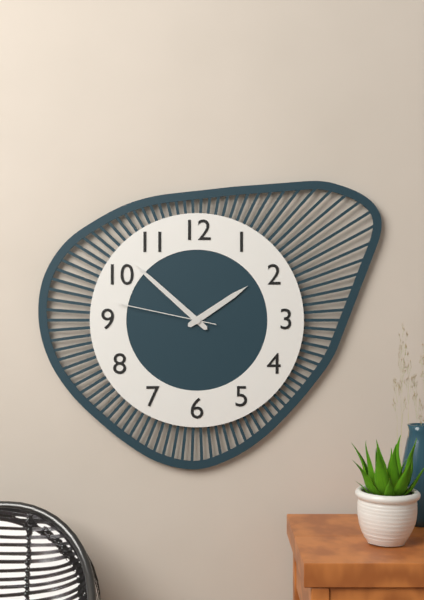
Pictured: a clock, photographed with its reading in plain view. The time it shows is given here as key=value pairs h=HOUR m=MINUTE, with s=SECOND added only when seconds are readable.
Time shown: h=1 m=52 s=47
